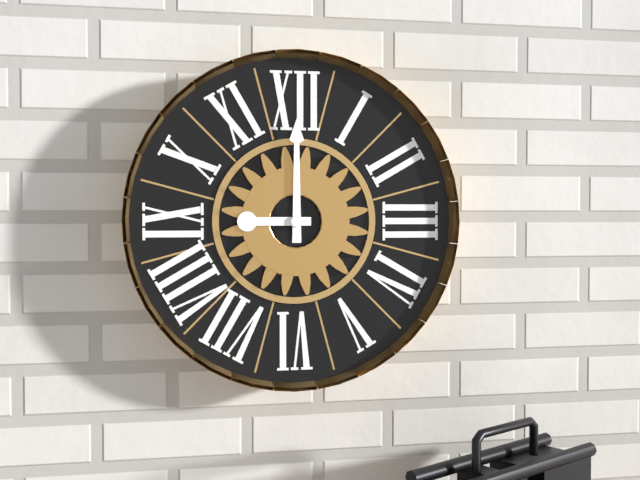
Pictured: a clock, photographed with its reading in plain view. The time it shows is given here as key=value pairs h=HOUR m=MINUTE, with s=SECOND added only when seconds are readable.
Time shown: h=9 m=0
